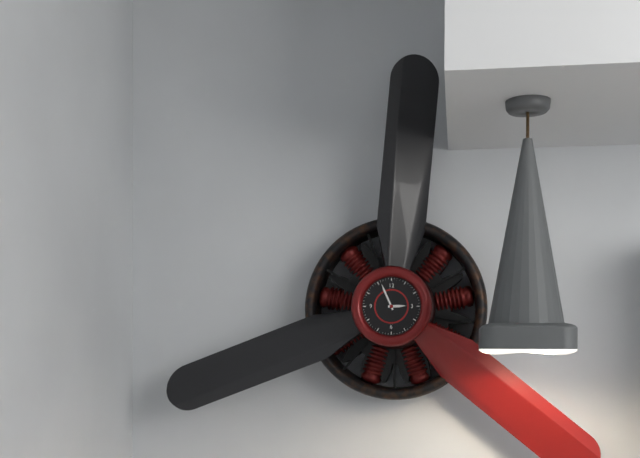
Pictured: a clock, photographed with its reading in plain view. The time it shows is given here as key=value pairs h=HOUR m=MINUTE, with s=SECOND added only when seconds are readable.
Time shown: h=2 m=56
